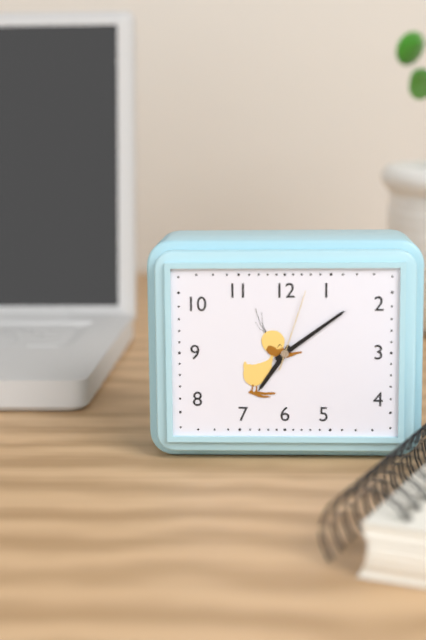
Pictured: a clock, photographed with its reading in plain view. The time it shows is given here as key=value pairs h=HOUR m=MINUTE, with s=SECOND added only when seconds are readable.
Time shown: h=7 m=9 s=3
